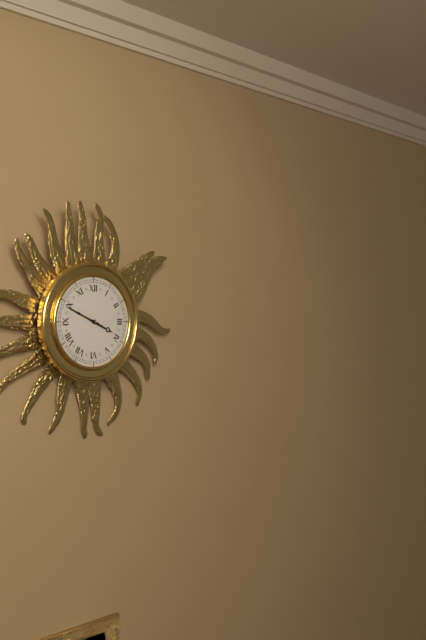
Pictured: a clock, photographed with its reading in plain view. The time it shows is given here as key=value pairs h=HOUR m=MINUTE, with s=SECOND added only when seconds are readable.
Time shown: h=3 m=49
